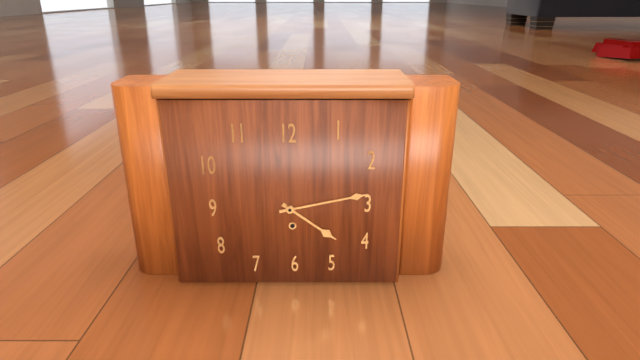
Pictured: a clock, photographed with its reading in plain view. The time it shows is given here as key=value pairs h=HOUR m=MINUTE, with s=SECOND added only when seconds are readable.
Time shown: h=4 m=13
